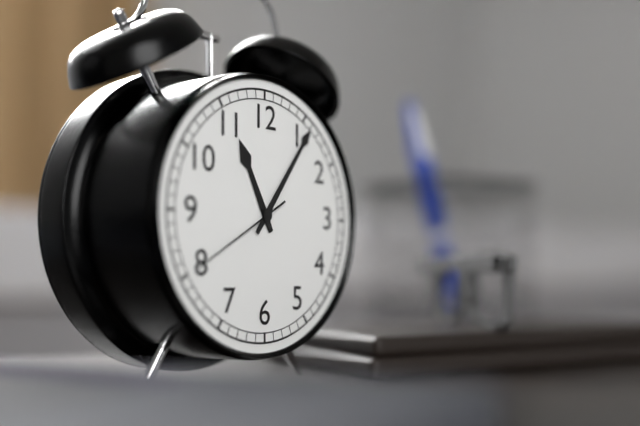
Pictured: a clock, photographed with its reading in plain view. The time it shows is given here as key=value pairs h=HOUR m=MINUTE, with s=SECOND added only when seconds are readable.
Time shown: h=11 m=6 s=40
